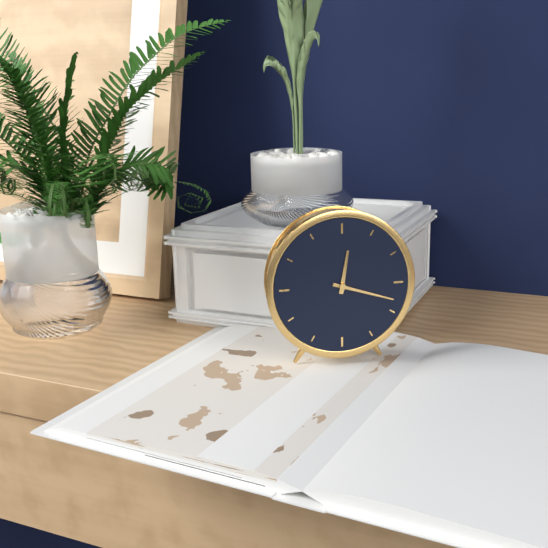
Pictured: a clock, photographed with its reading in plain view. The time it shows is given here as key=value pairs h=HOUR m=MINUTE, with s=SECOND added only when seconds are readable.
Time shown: h=12 m=18
